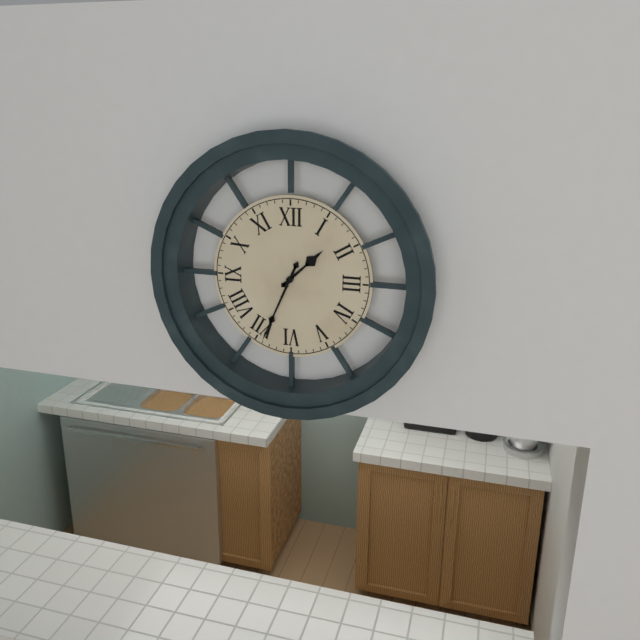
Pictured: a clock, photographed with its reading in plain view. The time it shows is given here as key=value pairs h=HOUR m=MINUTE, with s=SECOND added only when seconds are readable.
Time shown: h=1 m=34
